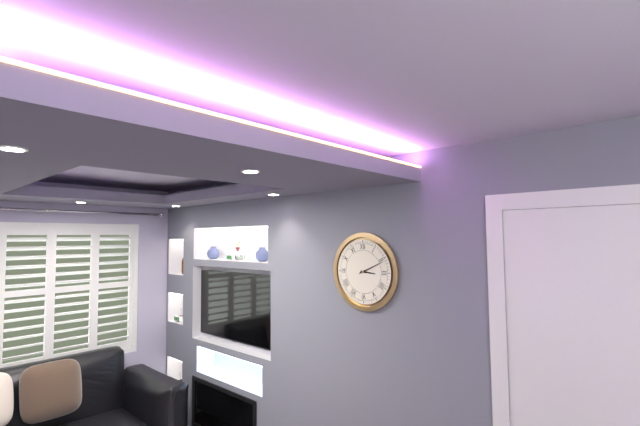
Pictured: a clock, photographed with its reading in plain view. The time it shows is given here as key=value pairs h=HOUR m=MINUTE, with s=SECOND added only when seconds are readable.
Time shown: h=3 m=11
